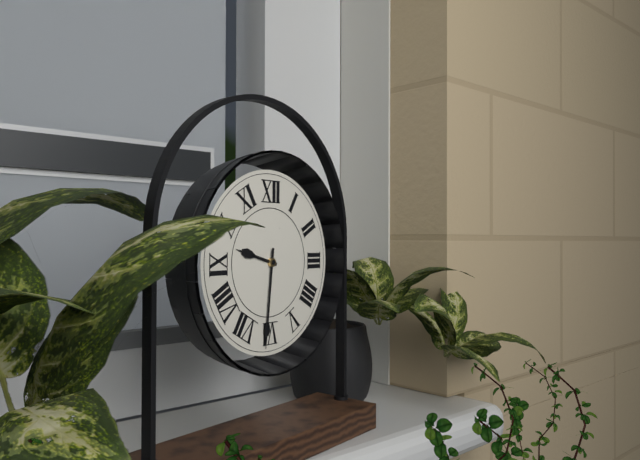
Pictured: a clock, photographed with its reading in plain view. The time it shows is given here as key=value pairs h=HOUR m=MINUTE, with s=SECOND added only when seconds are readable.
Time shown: h=9 m=31
